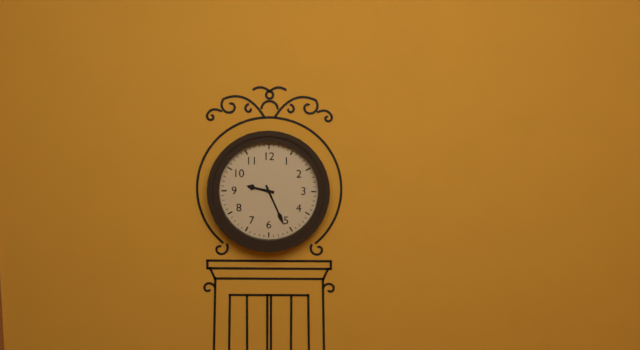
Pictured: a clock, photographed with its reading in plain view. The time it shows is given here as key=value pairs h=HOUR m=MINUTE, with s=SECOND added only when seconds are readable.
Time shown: h=9 m=26
